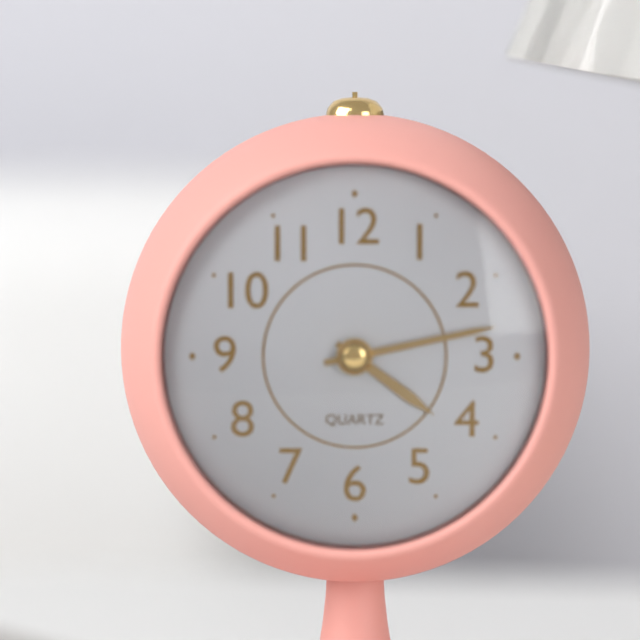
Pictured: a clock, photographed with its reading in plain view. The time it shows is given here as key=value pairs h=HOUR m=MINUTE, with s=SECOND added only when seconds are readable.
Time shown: h=4 m=13
